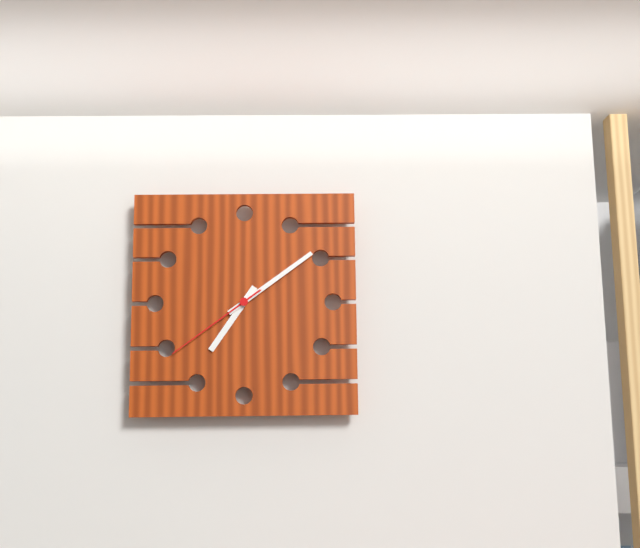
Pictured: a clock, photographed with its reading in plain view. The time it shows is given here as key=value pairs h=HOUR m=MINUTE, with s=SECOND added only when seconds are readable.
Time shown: h=7 m=9 s=39
